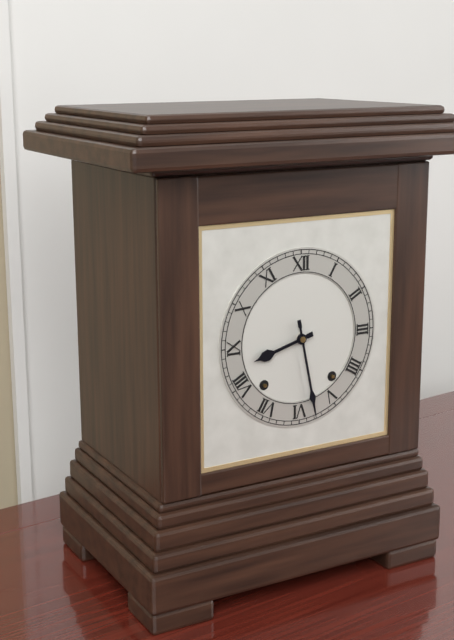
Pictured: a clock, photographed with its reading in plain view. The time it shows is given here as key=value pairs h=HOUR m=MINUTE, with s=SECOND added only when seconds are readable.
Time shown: h=8 m=28
